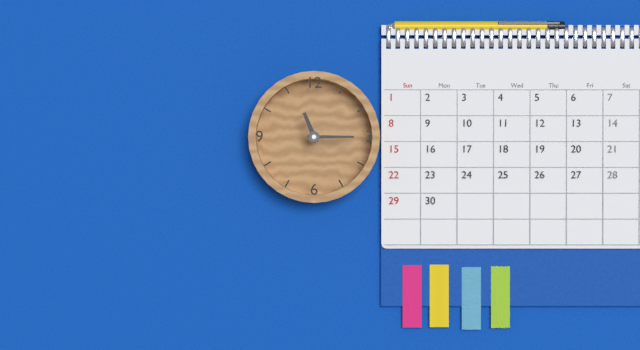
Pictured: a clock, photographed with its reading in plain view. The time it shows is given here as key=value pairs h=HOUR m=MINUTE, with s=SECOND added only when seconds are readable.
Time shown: h=11 m=15
